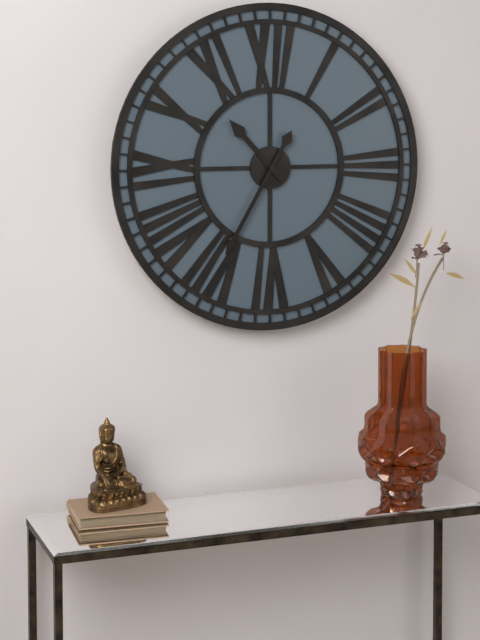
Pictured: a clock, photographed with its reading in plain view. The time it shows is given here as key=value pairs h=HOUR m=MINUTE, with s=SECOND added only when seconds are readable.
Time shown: h=10 m=35
